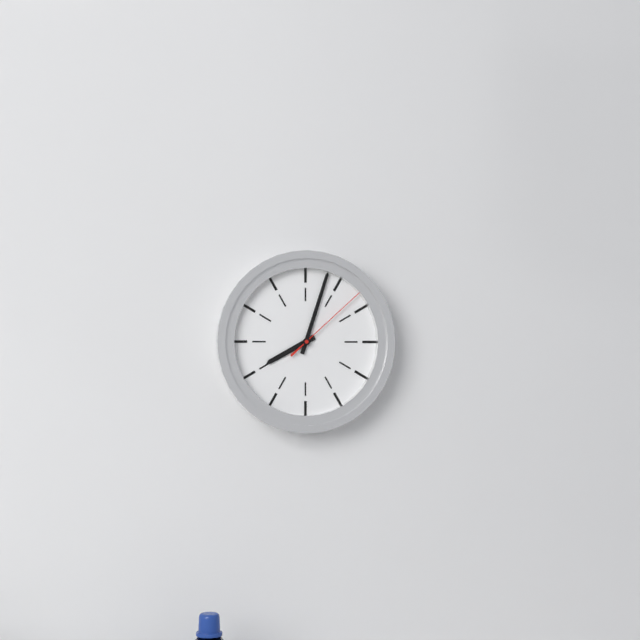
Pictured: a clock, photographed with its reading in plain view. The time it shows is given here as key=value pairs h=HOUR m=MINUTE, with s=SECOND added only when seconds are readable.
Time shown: h=8 m=3 s=8
